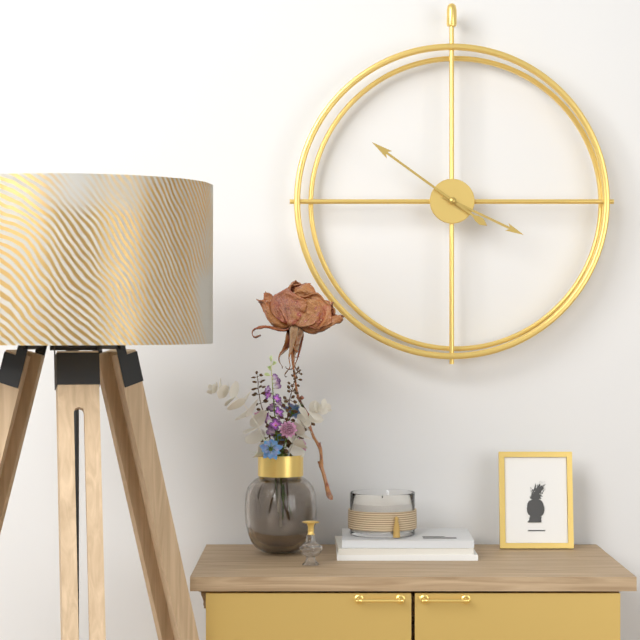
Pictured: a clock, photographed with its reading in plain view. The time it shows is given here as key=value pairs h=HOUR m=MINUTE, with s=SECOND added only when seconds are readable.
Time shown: h=3 m=51
